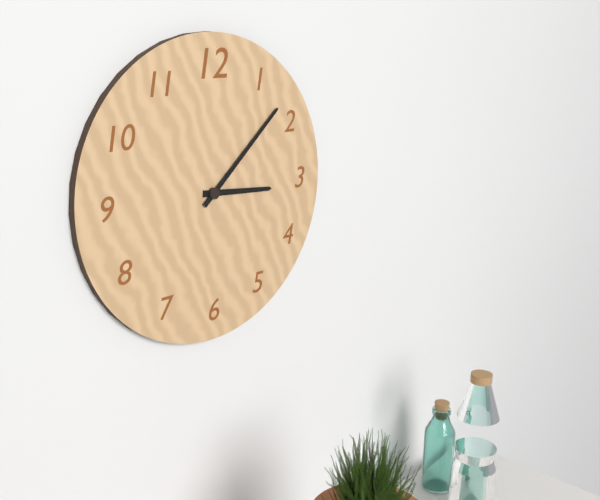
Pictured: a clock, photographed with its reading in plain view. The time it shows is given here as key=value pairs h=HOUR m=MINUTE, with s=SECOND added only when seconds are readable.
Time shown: h=3 m=8
